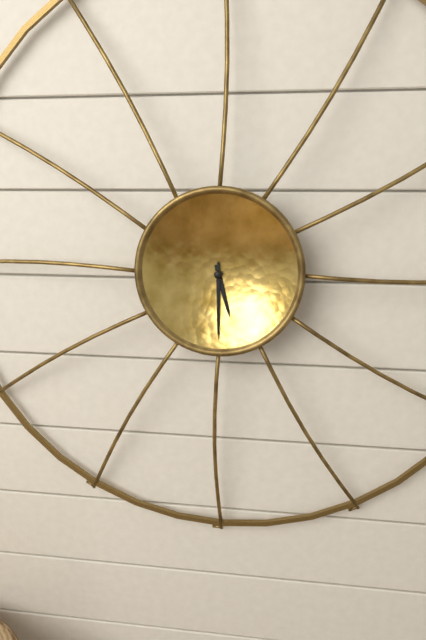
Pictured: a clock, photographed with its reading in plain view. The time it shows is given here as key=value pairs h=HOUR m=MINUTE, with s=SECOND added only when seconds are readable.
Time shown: h=5 m=30
